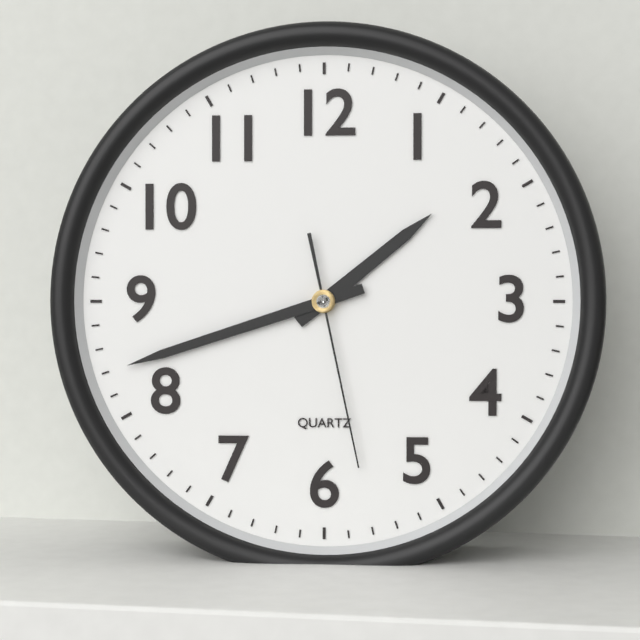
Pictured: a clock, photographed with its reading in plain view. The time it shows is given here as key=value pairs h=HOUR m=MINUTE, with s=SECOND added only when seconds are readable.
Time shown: h=1 m=42 s=28
